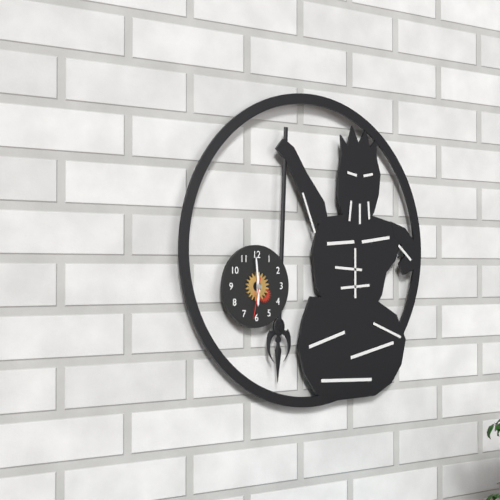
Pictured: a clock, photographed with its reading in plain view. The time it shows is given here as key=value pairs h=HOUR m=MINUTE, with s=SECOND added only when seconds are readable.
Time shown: h=5 m=59
